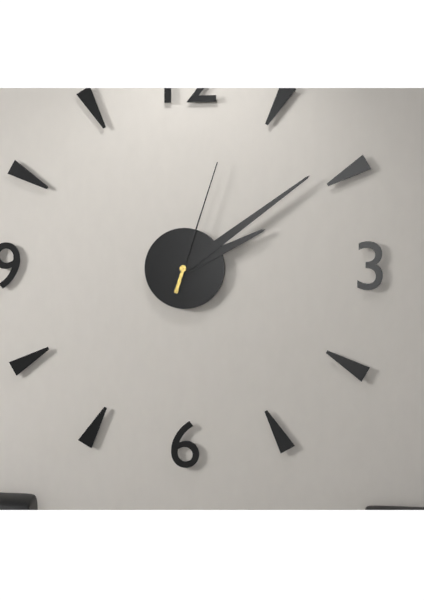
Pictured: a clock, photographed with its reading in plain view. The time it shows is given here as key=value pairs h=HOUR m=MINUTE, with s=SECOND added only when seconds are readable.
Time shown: h=2 m=9 s=3
